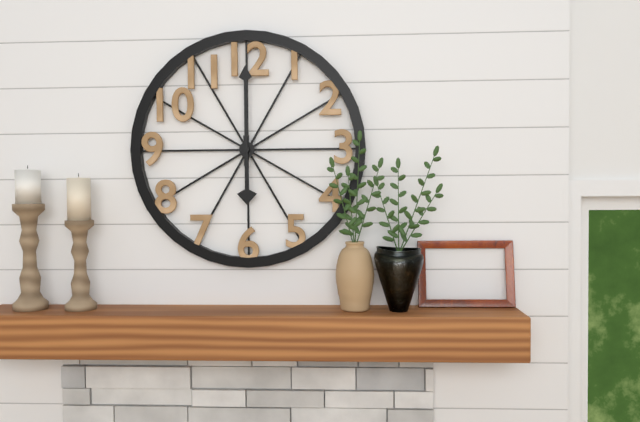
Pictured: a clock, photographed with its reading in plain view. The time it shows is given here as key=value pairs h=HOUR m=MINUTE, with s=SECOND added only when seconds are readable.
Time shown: h=6 m=0
